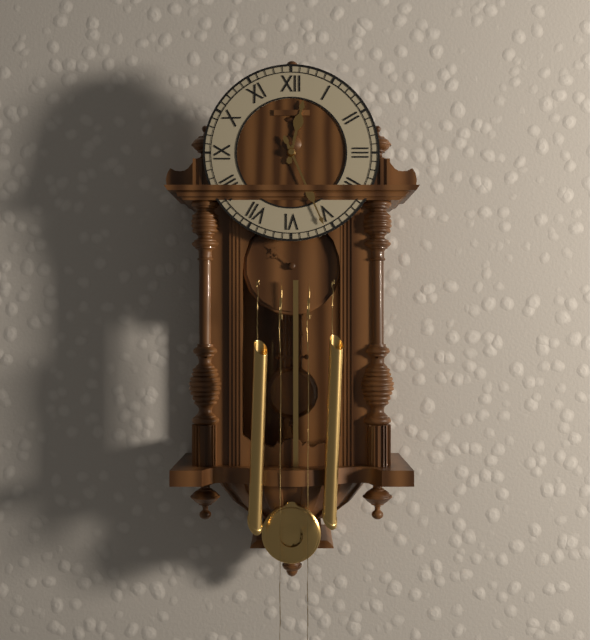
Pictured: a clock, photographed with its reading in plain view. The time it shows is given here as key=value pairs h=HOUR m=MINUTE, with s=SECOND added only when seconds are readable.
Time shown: h=12 m=26
